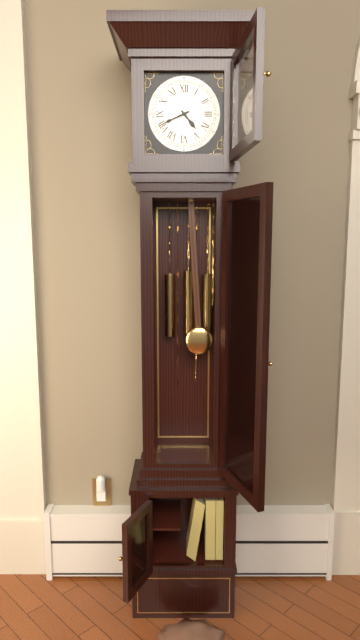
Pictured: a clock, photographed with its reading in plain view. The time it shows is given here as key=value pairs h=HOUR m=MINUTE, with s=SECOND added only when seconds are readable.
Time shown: h=4 m=41
